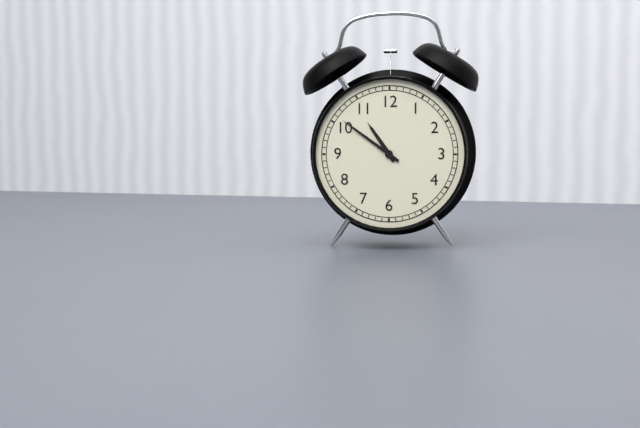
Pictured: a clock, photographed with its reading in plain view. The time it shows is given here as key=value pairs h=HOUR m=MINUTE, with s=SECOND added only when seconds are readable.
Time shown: h=10 m=51
